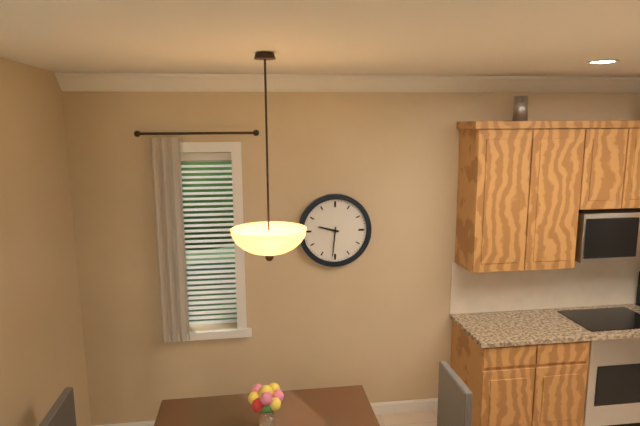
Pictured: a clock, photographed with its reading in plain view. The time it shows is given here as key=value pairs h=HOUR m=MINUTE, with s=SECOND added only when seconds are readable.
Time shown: h=9 m=31
